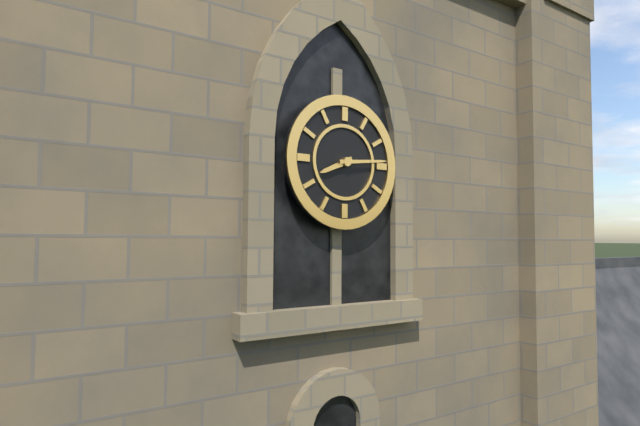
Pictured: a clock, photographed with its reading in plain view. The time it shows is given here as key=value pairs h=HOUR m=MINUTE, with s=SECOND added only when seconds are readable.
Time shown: h=8 m=14
